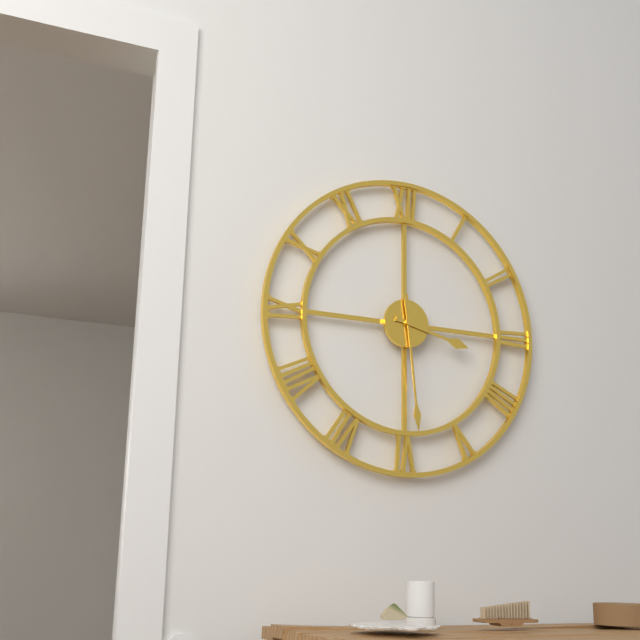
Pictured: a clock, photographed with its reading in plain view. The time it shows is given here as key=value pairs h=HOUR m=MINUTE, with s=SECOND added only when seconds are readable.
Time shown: h=3 m=29
